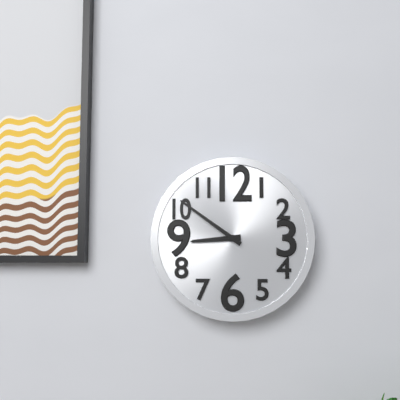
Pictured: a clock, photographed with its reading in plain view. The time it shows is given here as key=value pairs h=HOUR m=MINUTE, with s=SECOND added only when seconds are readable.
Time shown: h=8 m=51
